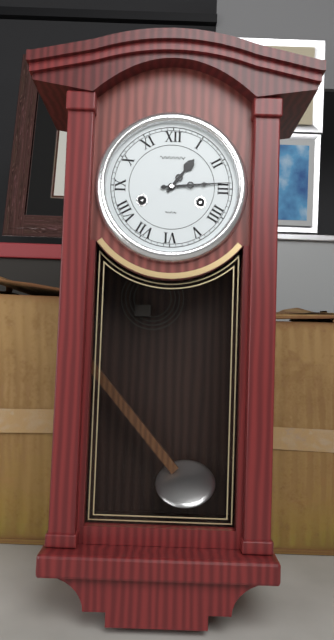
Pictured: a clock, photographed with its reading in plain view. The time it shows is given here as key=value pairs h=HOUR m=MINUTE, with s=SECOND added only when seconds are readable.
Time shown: h=1 m=14
